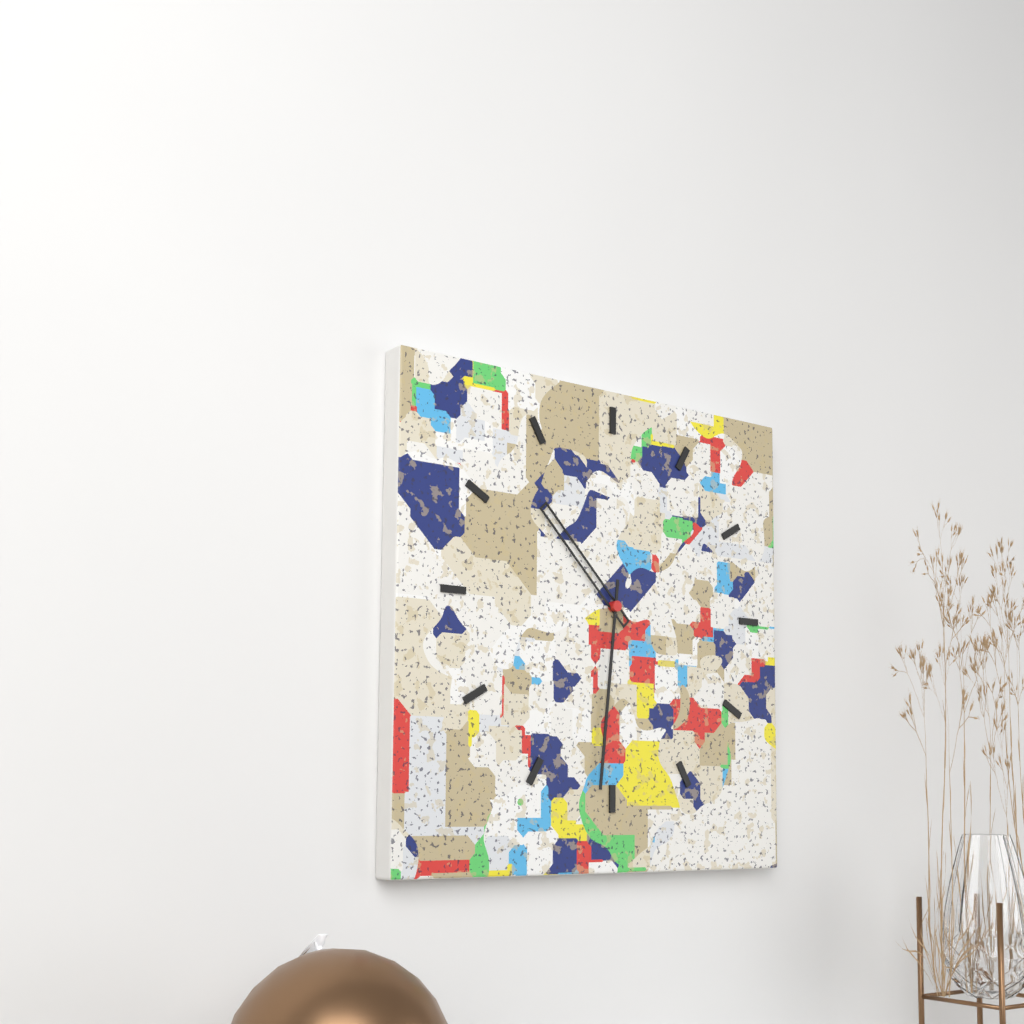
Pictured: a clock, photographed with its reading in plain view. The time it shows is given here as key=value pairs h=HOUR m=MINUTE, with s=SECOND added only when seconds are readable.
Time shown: h=10 m=31
